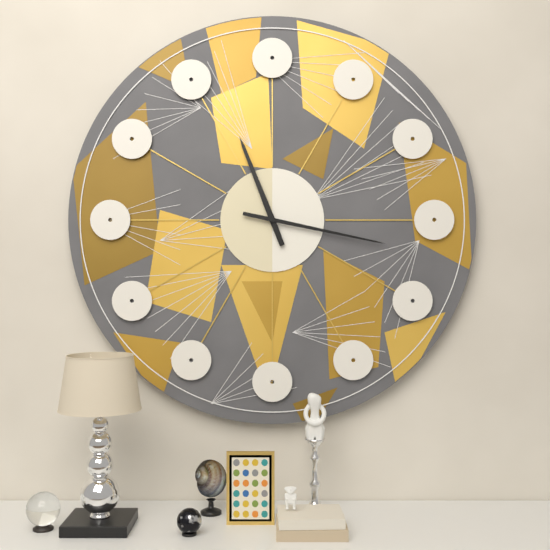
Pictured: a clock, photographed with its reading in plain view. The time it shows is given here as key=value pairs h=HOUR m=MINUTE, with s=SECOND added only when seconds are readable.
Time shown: h=11 m=17
